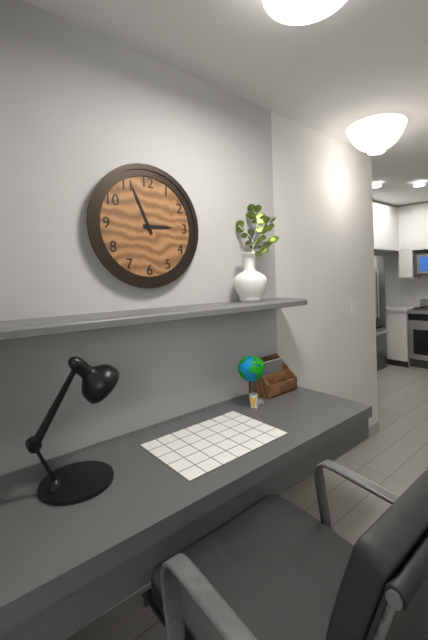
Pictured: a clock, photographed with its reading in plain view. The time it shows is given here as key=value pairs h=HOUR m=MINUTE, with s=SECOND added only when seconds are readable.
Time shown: h=2 m=56
